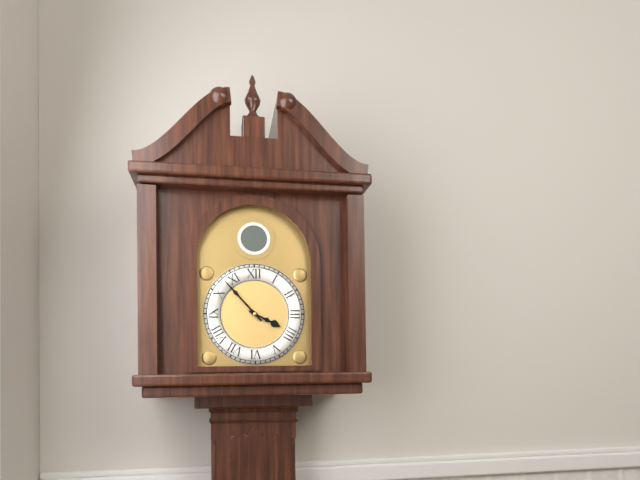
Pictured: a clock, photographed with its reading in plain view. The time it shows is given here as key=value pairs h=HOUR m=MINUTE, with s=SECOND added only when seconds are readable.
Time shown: h=3 m=53
